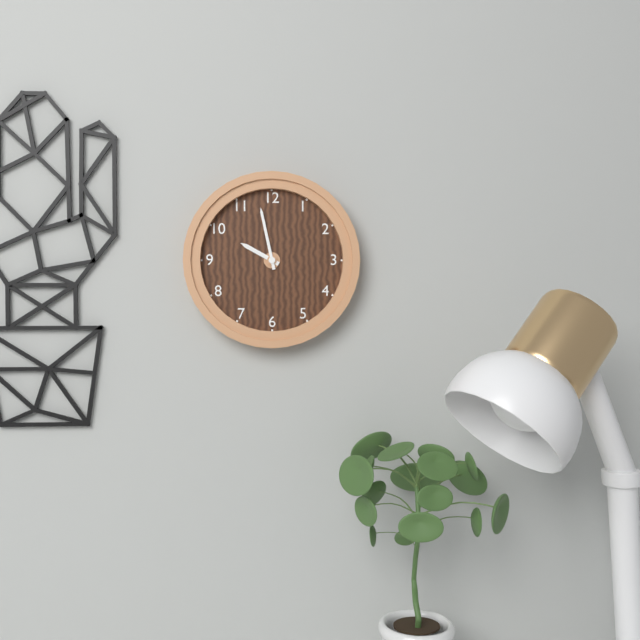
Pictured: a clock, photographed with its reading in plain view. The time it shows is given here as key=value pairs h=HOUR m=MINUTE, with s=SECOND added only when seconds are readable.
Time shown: h=9 m=58
